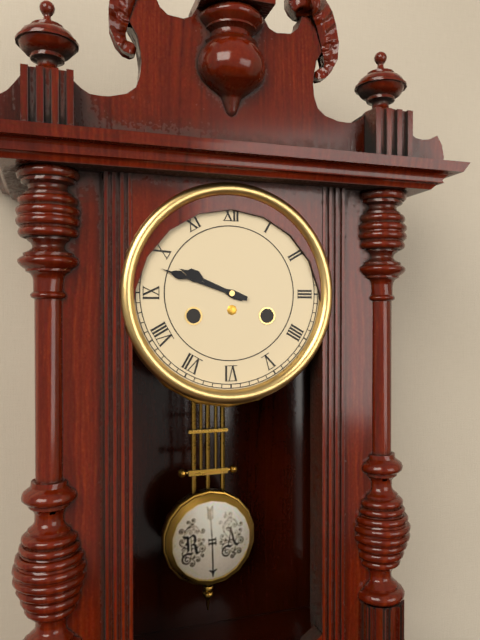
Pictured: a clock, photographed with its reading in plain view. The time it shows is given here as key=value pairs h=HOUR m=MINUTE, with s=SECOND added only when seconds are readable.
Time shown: h=9 m=48
